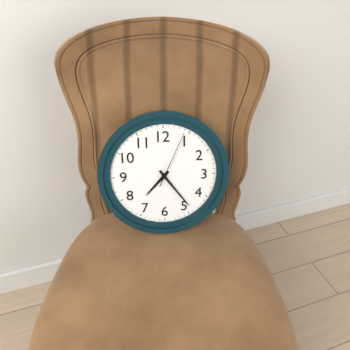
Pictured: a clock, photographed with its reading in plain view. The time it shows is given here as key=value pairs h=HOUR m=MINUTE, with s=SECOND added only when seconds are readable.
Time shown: h=7 m=24 s=4
